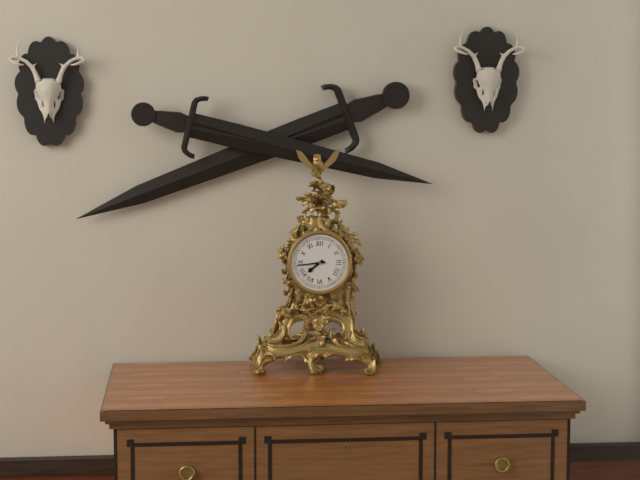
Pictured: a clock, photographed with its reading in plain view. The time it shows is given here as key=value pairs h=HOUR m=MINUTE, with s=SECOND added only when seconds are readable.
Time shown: h=7 m=44
